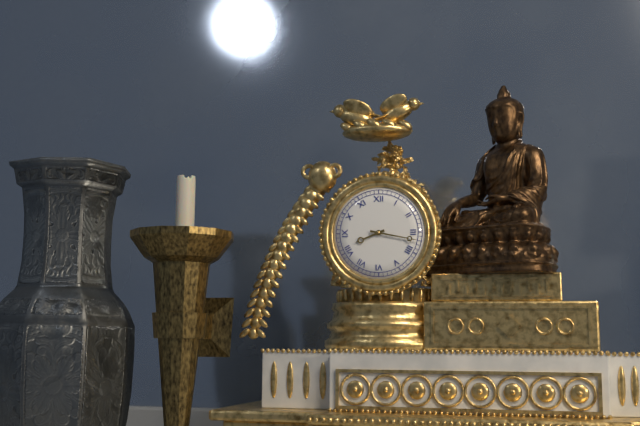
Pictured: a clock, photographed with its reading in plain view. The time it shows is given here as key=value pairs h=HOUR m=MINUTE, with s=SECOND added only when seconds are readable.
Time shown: h=8 m=17
